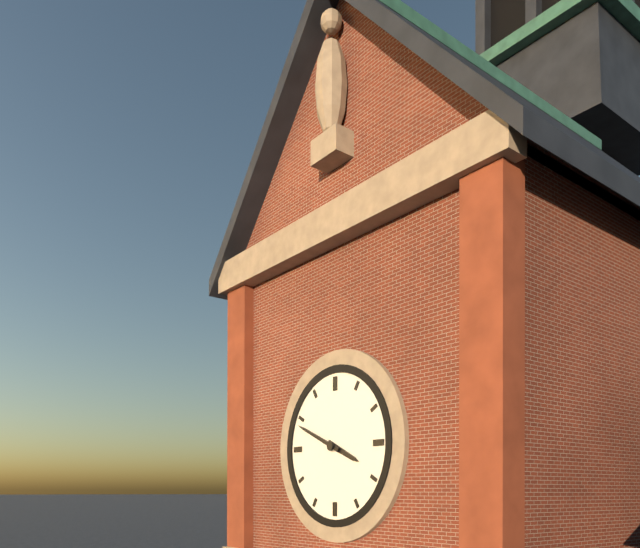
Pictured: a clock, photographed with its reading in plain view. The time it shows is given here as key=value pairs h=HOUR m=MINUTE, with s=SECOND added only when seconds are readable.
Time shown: h=3 m=49
